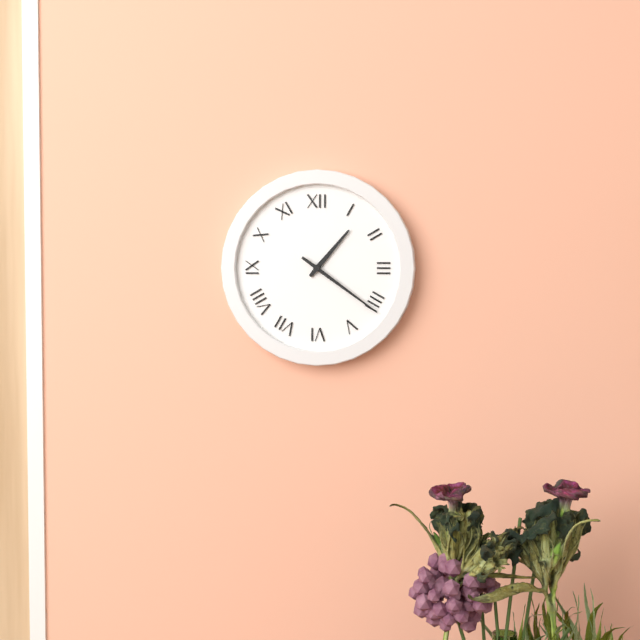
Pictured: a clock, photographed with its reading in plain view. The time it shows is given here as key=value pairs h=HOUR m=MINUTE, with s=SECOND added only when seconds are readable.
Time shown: h=1 m=21
